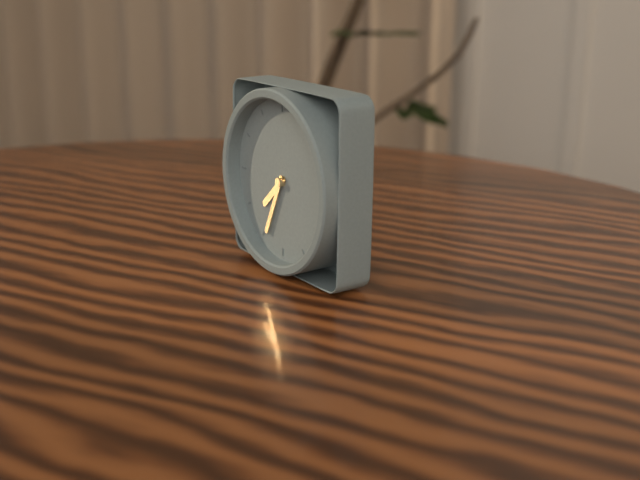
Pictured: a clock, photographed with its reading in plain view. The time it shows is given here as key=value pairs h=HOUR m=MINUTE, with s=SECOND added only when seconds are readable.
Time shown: h=7 m=34
